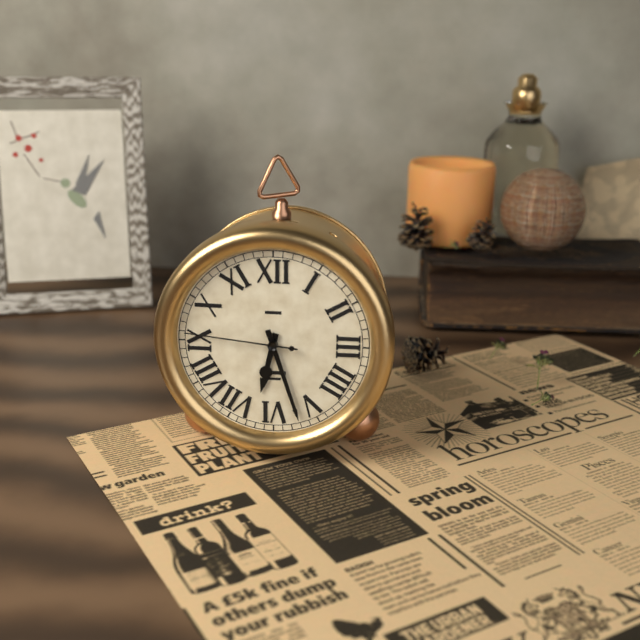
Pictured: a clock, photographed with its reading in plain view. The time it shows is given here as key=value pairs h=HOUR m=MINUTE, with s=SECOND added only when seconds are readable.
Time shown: h=6 m=27 s=46
